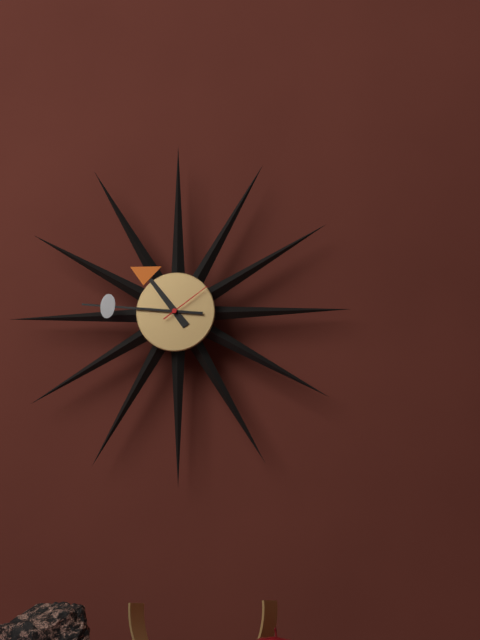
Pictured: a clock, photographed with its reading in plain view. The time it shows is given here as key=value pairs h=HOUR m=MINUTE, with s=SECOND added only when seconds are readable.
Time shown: h=10 m=46
